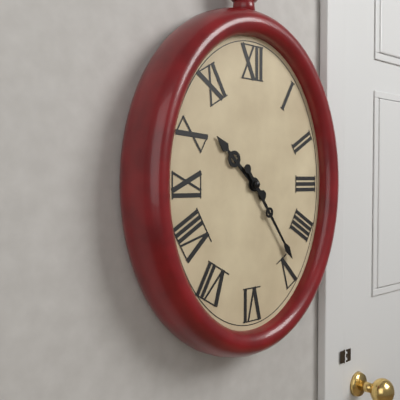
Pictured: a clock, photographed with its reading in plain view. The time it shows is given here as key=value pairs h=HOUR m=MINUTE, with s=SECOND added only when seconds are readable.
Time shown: h=10 m=24
